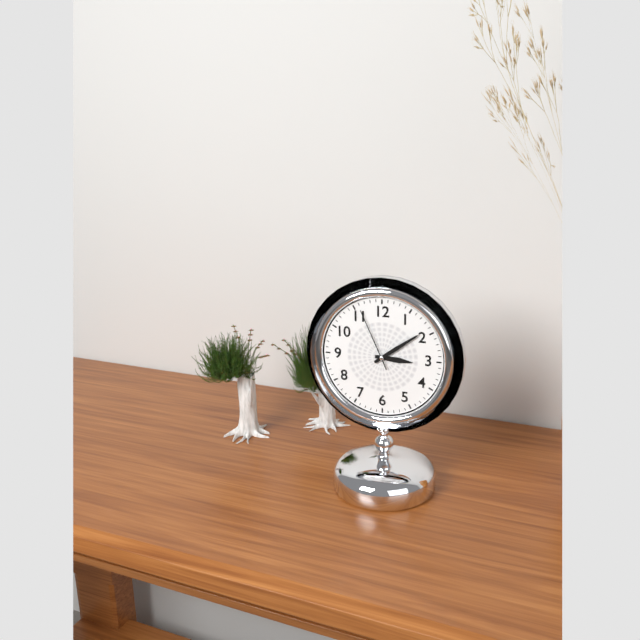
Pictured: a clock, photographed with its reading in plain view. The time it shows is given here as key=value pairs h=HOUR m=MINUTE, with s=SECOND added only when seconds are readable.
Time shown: h=3 m=9 s=56
